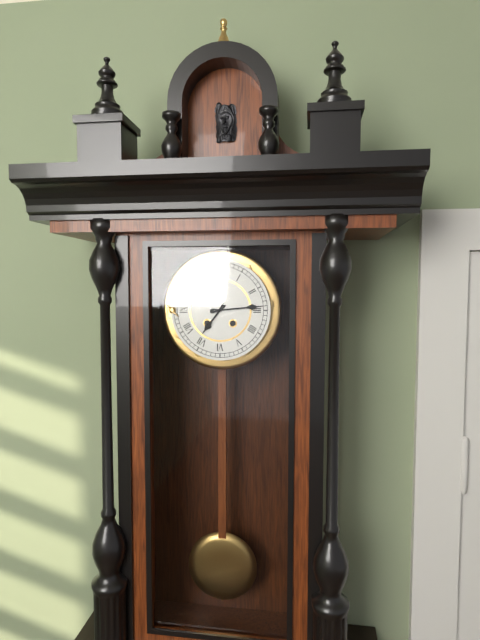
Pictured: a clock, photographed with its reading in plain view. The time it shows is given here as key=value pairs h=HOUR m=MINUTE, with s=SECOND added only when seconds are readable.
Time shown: h=7 m=14
